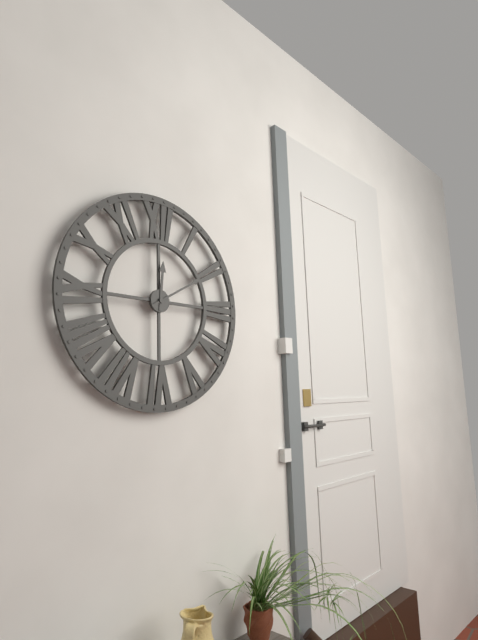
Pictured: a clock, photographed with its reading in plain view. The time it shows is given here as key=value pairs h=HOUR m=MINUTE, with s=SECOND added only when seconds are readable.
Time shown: h=12 m=10
